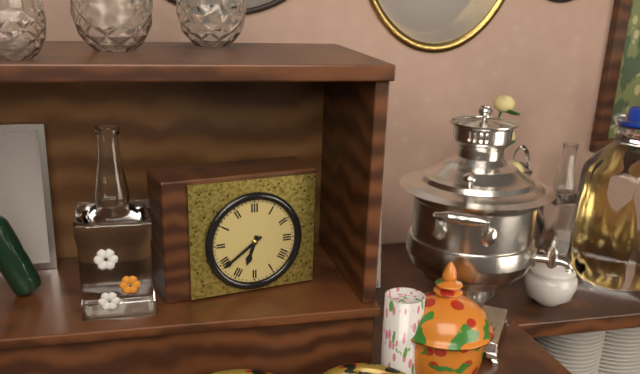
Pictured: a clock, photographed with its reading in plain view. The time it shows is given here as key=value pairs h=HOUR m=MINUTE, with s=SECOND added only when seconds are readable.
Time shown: h=6 m=39
